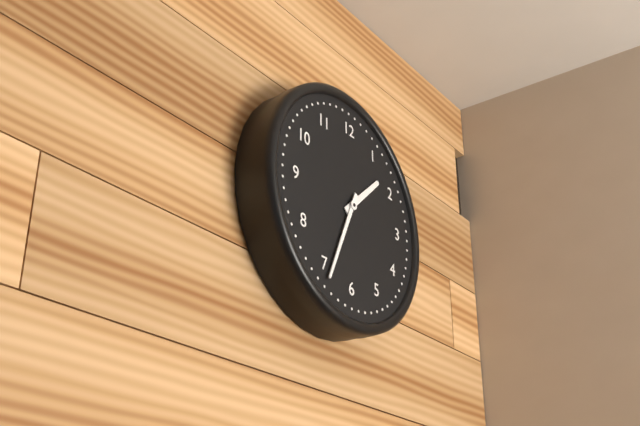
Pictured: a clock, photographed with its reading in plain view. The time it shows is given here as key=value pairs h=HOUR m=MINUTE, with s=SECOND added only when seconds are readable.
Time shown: h=1 m=34
